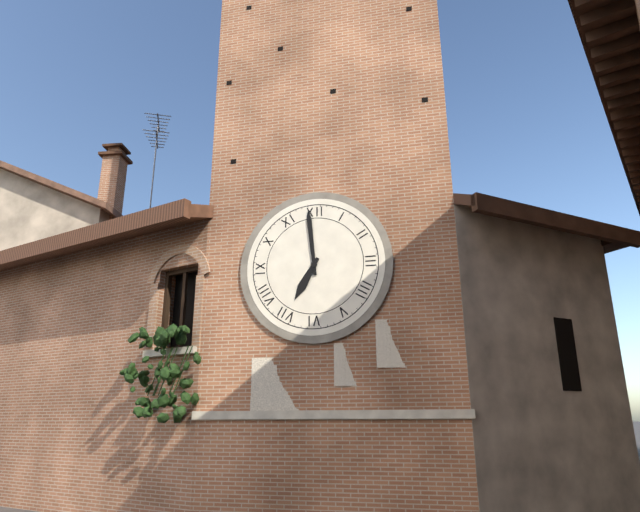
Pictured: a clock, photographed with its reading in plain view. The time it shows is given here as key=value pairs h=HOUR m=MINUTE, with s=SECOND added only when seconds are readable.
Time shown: h=6 m=59
